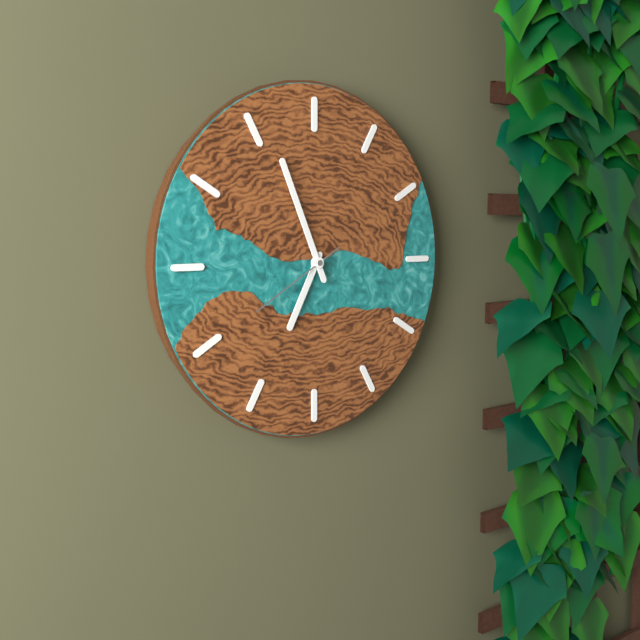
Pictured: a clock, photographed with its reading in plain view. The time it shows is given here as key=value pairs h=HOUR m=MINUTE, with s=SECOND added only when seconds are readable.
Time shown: h=6 m=56 s=40
